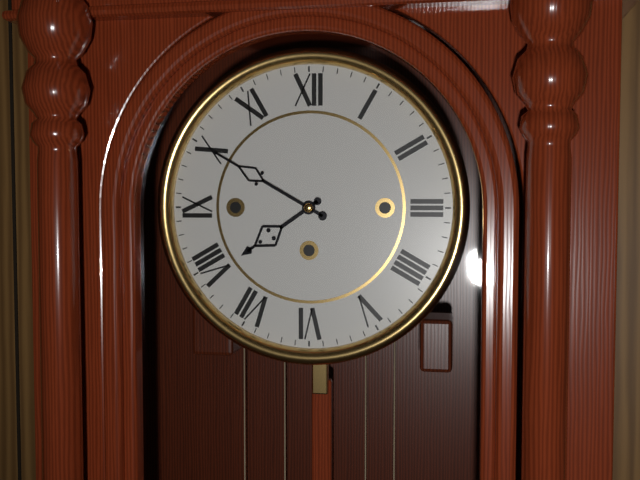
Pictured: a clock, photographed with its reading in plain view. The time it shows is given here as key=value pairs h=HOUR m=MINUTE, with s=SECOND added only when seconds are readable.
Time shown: h=7 m=50
